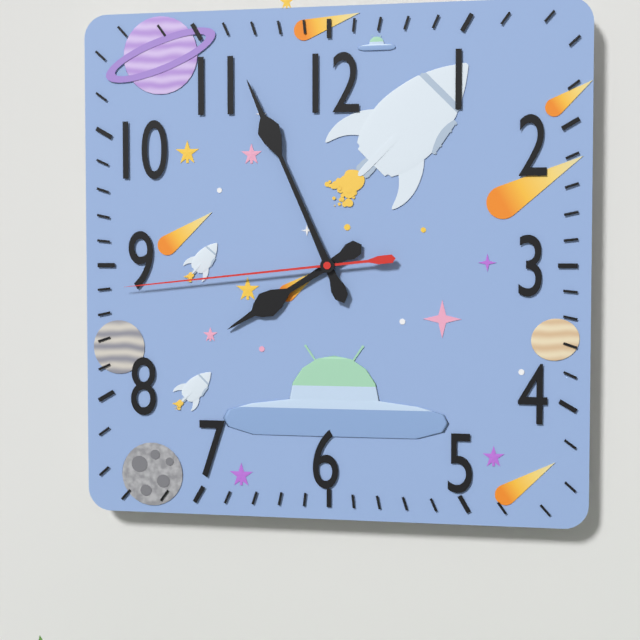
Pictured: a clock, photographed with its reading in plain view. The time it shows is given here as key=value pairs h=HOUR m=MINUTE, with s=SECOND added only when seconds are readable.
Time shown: h=7 m=56 s=44
